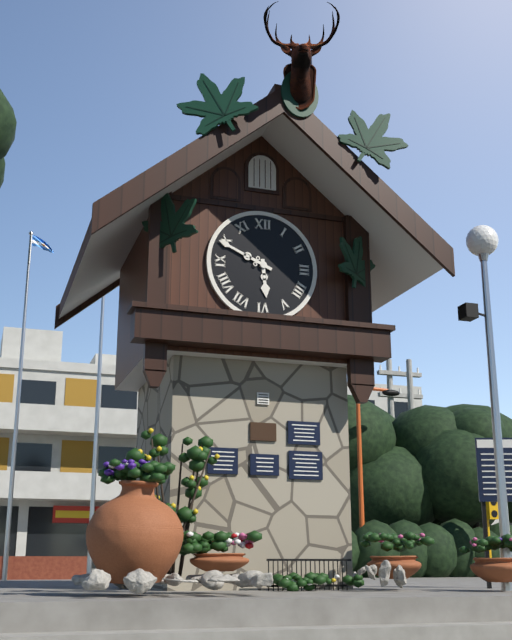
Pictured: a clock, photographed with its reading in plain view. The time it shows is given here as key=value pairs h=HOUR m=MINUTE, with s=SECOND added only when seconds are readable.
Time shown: h=5 m=49
